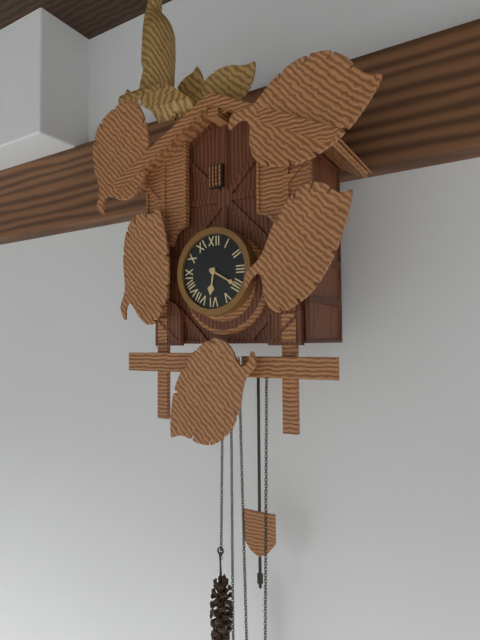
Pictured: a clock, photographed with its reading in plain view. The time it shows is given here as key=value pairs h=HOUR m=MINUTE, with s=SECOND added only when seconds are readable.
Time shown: h=6 m=20
